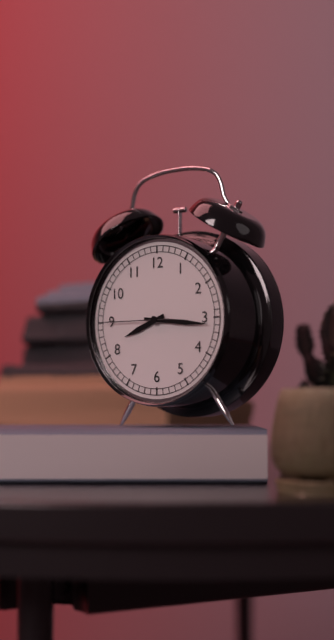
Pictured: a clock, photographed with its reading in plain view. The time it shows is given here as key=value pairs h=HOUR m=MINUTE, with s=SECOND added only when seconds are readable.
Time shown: h=8 m=16 s=45
